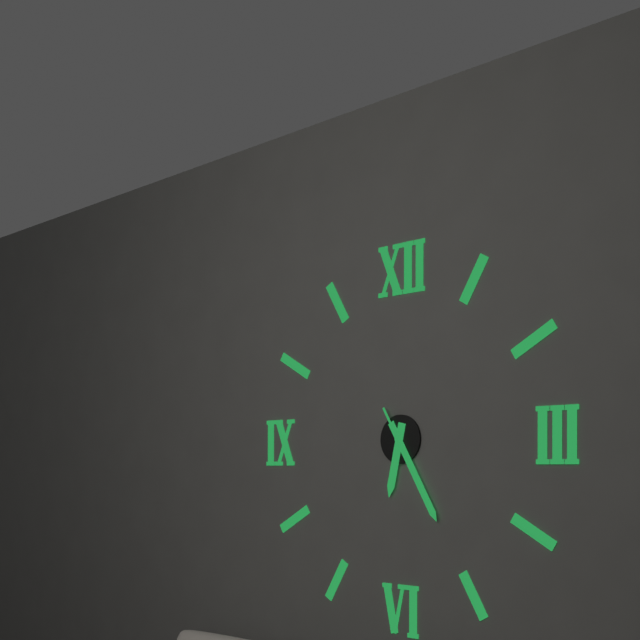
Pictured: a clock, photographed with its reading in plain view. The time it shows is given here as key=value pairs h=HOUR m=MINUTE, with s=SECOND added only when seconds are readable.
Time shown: h=6 m=25 s=25
